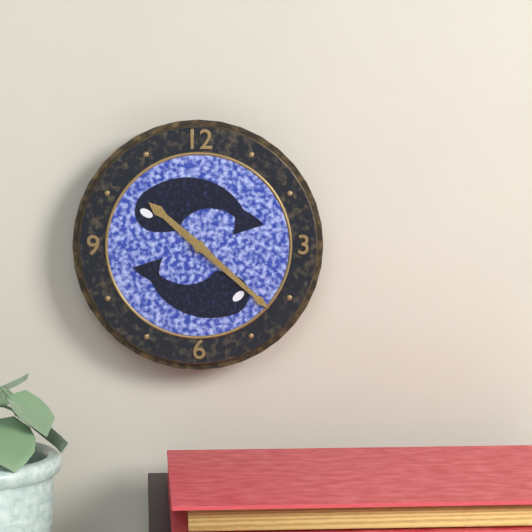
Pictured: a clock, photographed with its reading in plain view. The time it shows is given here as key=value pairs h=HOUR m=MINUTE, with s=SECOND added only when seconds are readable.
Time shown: h=10 m=22
